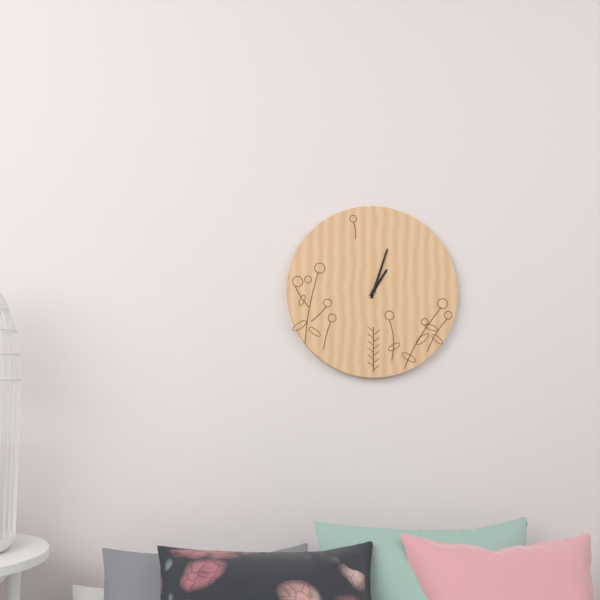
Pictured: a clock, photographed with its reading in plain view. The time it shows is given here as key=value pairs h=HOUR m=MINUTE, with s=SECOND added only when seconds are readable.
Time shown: h=1 m=3
